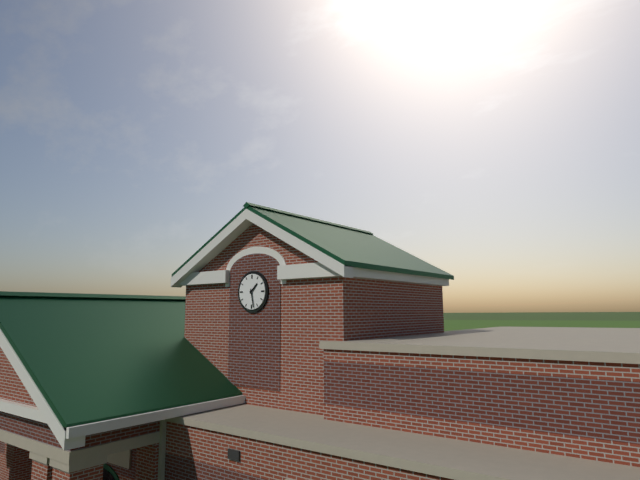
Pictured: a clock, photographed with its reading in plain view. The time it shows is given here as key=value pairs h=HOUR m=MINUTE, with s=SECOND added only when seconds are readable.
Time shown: h=1 m=28
